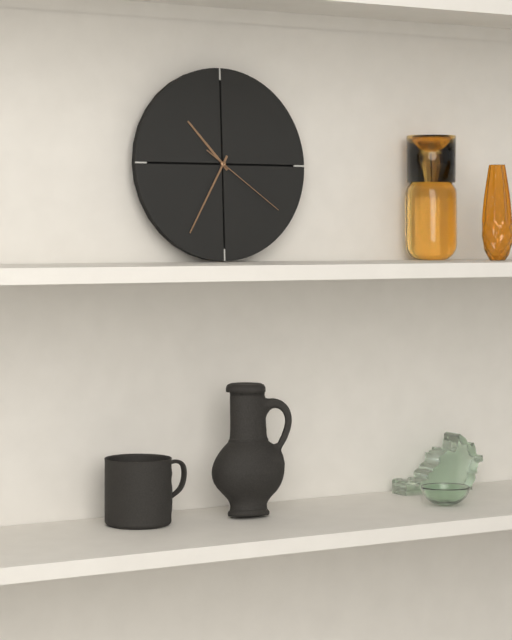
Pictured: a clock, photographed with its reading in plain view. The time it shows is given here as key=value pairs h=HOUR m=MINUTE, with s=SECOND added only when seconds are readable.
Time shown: h=10 m=35 s=21
